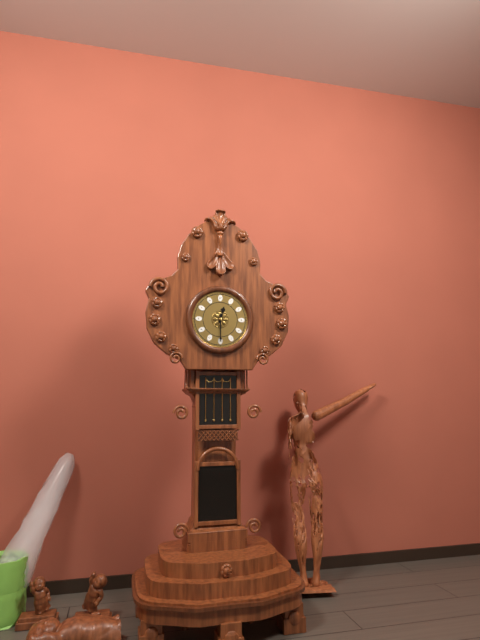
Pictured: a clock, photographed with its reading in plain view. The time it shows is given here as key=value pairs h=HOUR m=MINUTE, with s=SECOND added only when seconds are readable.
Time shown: h=12 m=30
